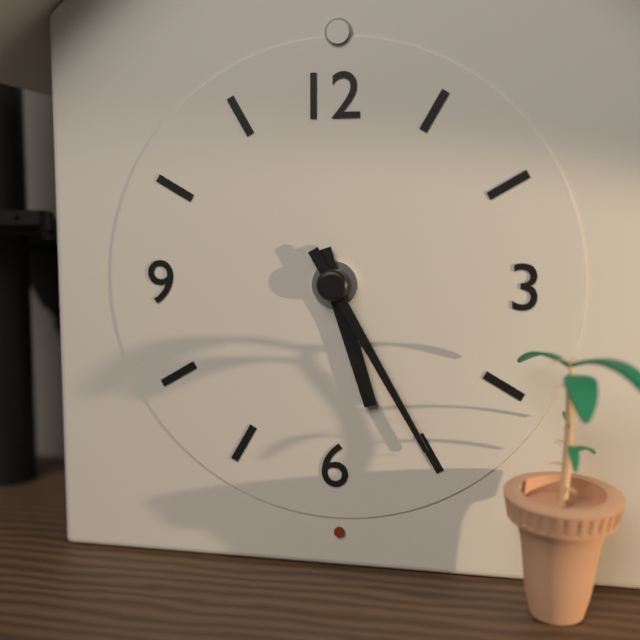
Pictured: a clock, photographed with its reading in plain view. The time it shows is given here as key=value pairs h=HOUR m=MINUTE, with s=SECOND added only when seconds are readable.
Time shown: h=5 m=25
